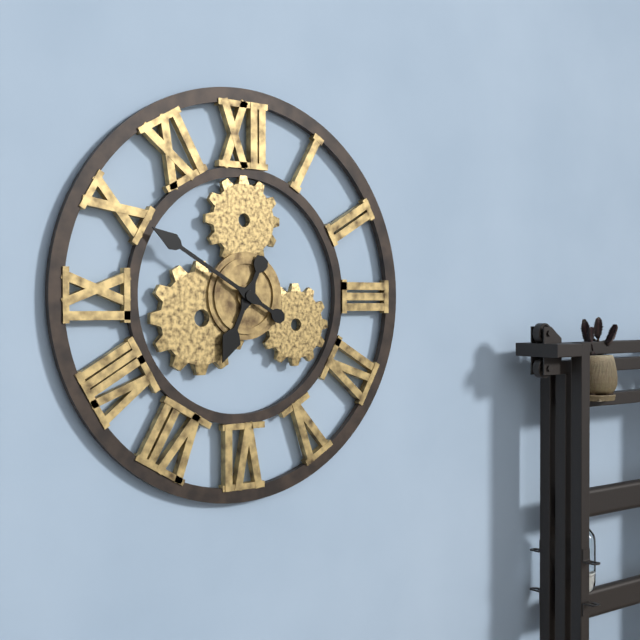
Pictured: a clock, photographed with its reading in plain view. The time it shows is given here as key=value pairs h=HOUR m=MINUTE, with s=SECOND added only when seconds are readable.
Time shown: h=6 m=50
